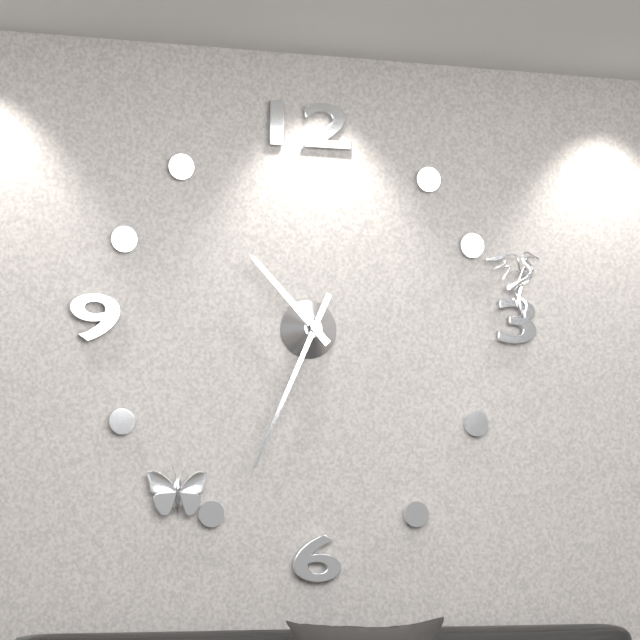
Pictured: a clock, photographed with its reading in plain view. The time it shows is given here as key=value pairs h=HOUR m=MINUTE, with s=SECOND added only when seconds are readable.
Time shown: h=10 m=34
